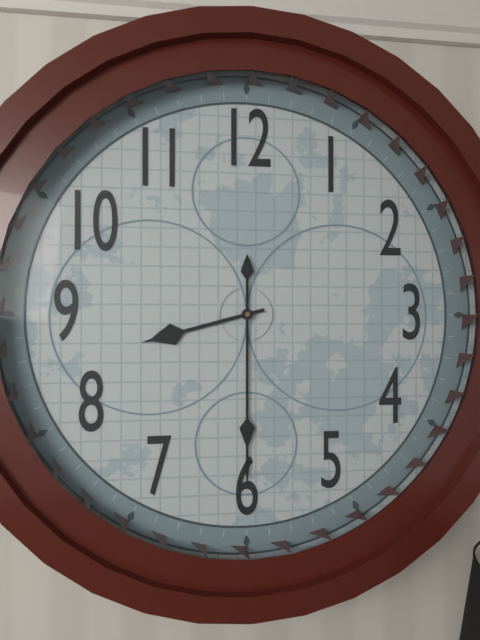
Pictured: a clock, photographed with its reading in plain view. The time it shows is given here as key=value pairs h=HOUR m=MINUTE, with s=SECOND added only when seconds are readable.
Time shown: h=8 m=30
